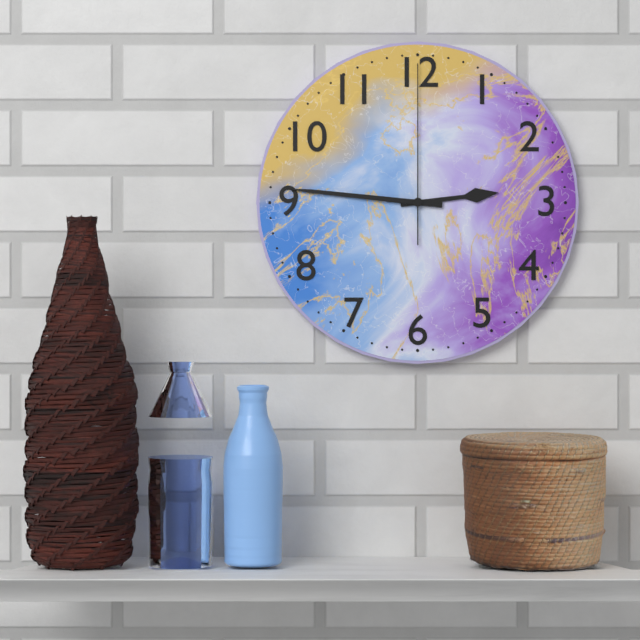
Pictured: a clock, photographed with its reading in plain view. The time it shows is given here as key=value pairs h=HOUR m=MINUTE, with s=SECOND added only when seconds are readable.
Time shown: h=2 m=46 s=0
